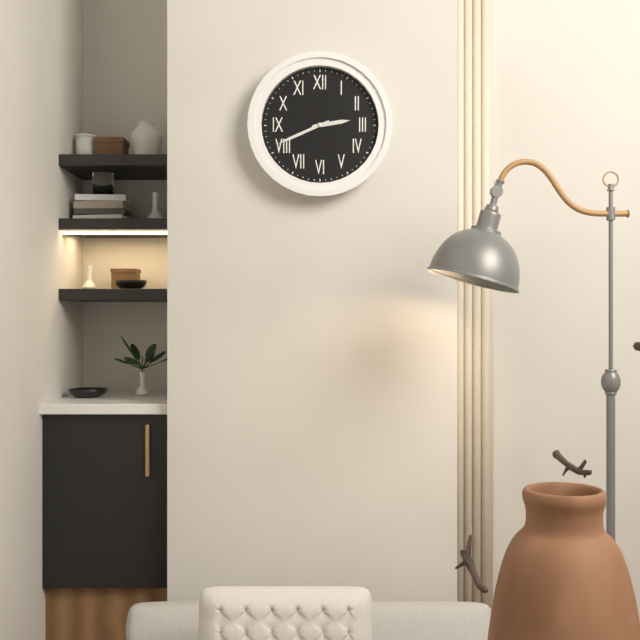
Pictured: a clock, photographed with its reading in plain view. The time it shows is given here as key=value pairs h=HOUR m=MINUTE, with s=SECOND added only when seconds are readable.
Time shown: h=2 m=41
